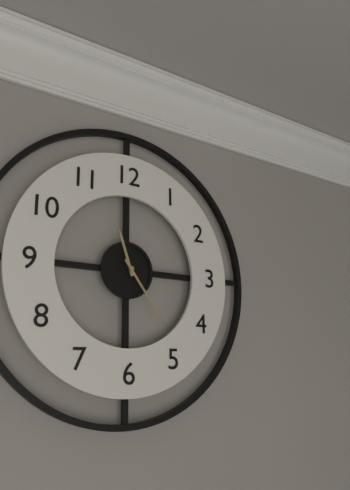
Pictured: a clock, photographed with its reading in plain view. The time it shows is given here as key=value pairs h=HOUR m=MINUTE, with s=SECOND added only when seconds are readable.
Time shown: h=11 m=24
